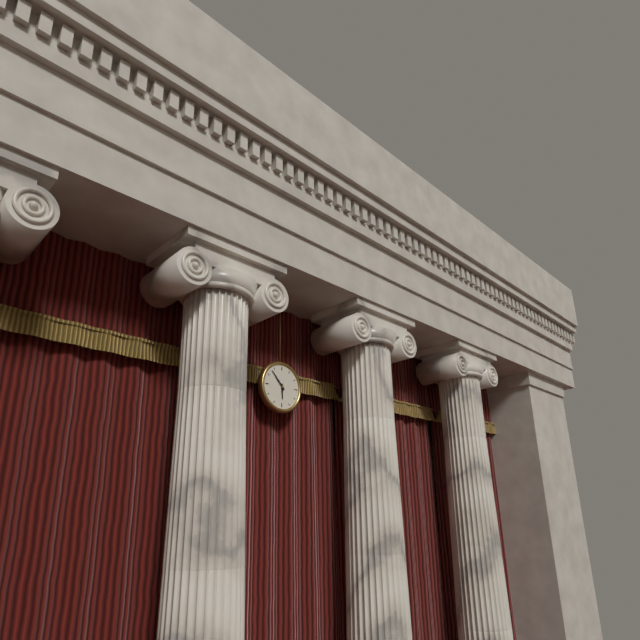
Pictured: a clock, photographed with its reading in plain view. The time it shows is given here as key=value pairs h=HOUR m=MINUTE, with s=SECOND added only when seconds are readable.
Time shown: h=5 m=53
